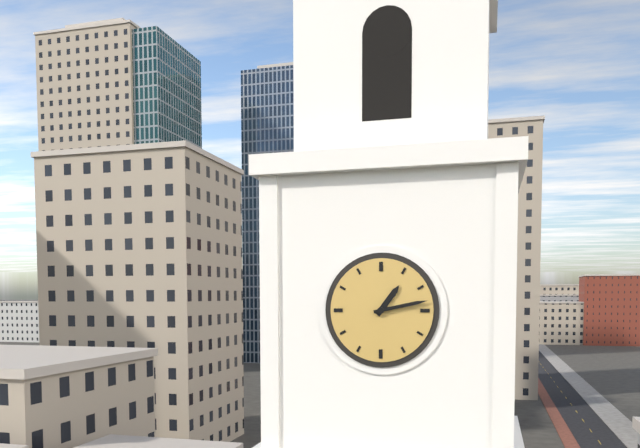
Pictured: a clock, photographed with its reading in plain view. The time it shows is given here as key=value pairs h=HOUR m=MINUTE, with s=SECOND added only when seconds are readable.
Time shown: h=1 m=13
